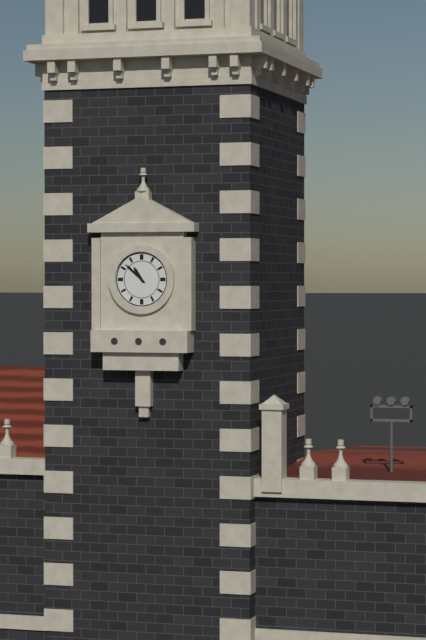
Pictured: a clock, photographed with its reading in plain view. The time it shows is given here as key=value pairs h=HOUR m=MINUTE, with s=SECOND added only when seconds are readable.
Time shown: h=10 m=52
